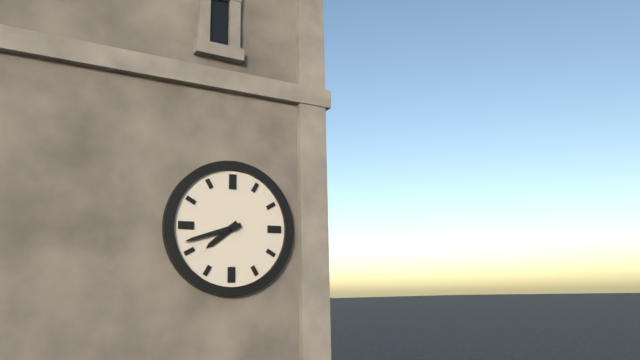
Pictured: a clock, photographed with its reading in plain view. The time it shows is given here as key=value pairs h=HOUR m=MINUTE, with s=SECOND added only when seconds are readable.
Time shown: h=7 m=42
